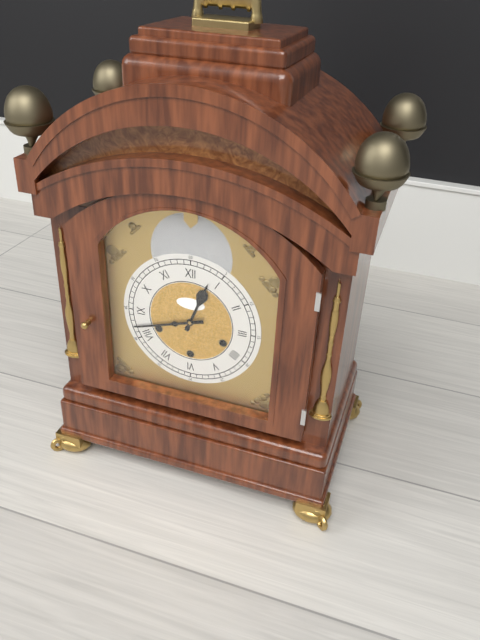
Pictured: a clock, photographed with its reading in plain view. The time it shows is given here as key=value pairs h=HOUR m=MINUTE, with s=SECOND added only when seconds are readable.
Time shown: h=12 m=42
